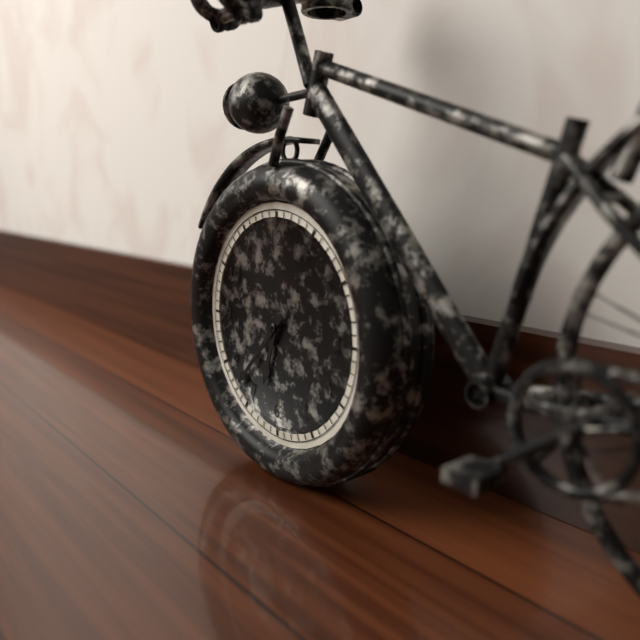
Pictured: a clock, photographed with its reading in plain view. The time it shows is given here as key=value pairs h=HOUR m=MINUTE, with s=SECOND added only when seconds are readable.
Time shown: h=6 m=37
